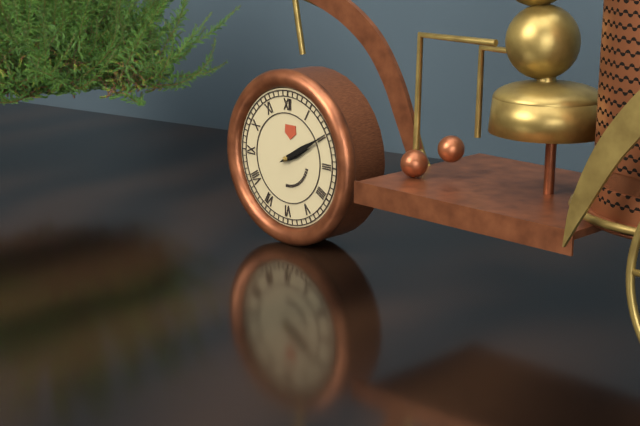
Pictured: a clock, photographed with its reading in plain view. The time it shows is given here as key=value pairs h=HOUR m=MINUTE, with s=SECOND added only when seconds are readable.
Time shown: h=2 m=10
